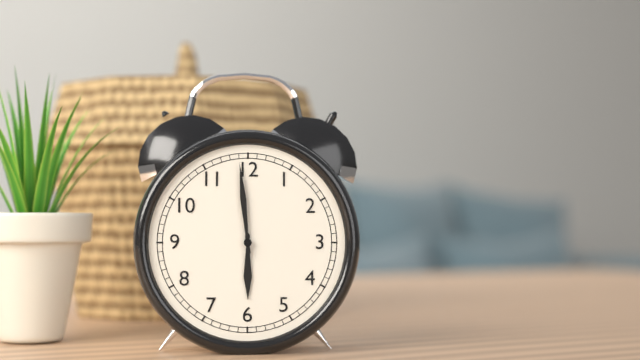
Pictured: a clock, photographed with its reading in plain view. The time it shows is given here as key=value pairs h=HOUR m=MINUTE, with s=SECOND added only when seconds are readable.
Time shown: h=5 m=59
